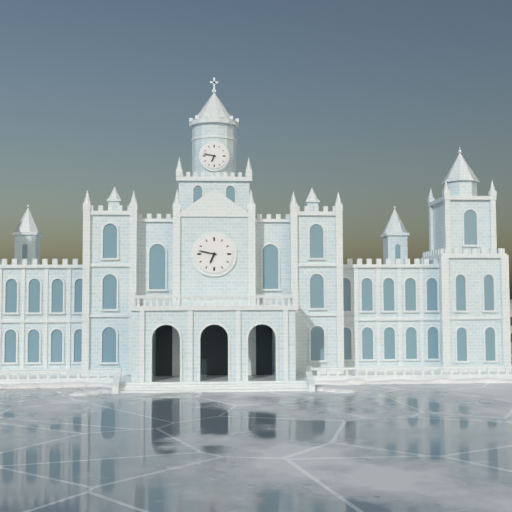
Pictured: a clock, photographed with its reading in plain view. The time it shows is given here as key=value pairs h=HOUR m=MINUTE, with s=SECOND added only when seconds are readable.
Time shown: h=6 m=47
